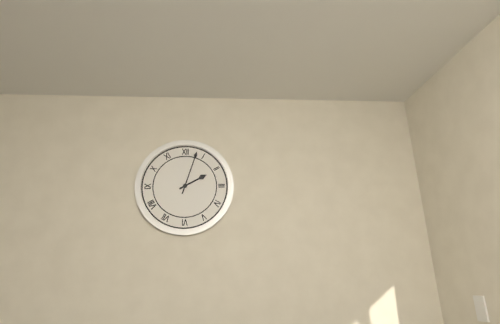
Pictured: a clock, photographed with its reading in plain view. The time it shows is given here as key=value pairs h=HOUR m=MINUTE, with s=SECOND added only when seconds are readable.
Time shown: h=2 m=3
